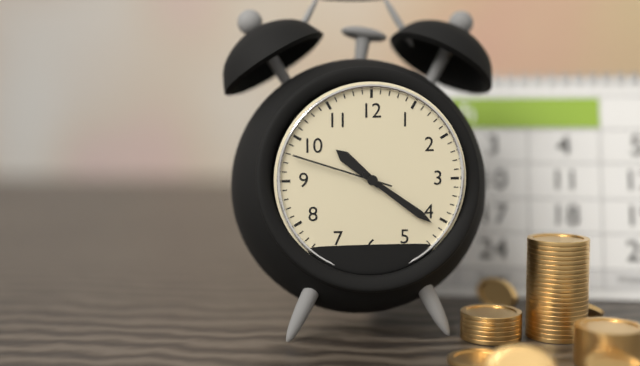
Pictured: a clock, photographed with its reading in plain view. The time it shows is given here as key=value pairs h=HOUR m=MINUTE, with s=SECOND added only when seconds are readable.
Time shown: h=10 m=21 s=48
